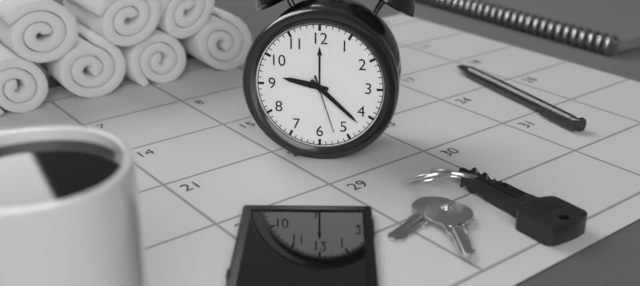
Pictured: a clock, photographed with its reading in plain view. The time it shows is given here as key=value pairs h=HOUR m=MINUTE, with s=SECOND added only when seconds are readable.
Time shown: h=9 m=22 s=27
